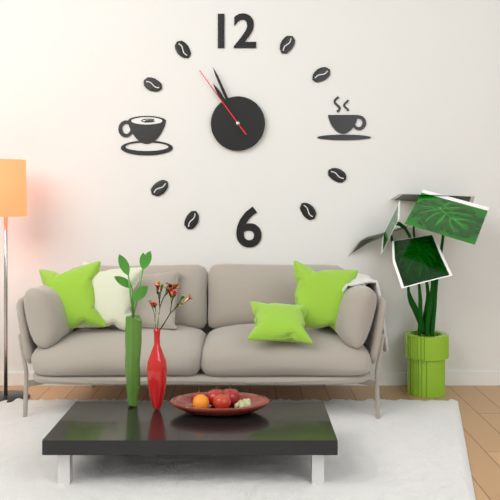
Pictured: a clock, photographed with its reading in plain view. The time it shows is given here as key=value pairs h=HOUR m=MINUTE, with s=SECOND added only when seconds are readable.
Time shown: h=10 m=56 s=54
